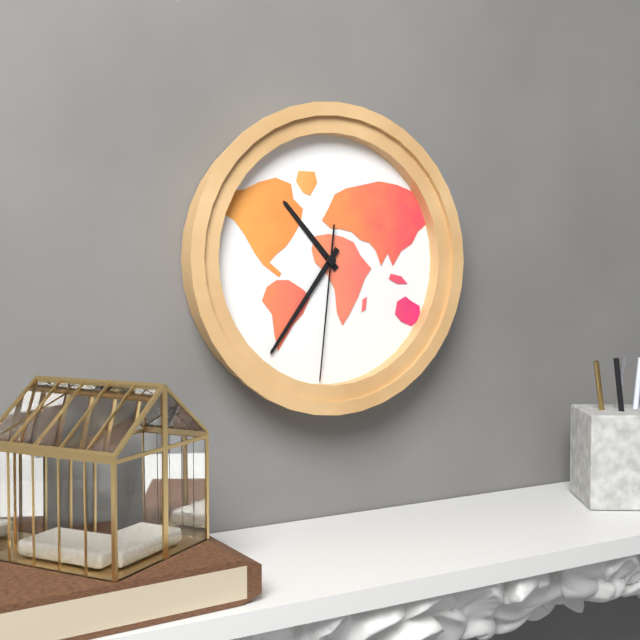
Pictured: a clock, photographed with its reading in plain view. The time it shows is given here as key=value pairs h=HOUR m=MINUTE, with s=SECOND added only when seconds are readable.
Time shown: h=10 m=36 s=31
